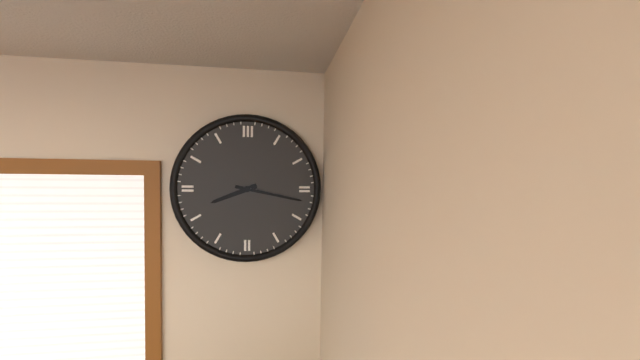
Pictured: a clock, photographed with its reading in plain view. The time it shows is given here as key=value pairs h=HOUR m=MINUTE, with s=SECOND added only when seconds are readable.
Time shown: h=8 m=17
